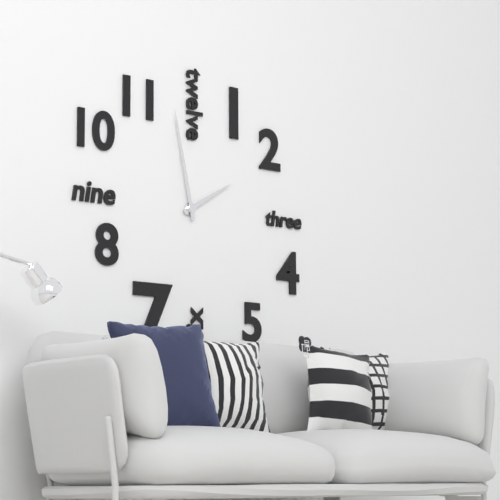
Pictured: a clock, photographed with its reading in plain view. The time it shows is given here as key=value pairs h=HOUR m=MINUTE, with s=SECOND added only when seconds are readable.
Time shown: h=1 m=58
